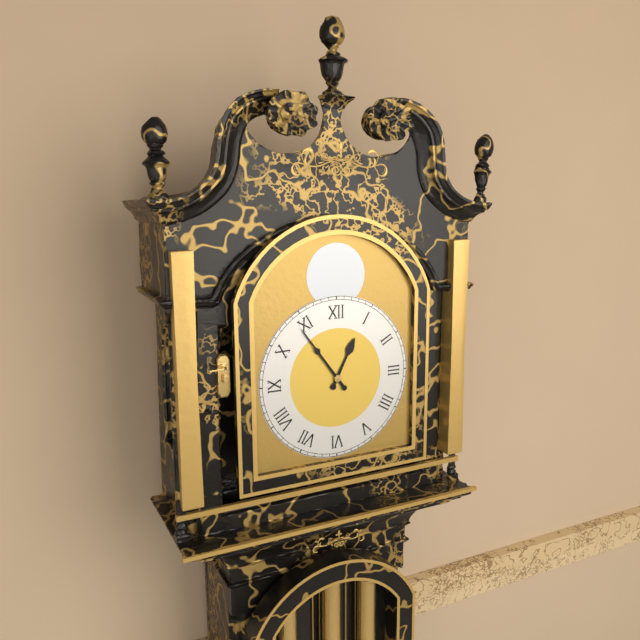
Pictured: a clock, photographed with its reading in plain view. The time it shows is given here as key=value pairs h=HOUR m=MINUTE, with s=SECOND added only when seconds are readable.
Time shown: h=12 m=54
